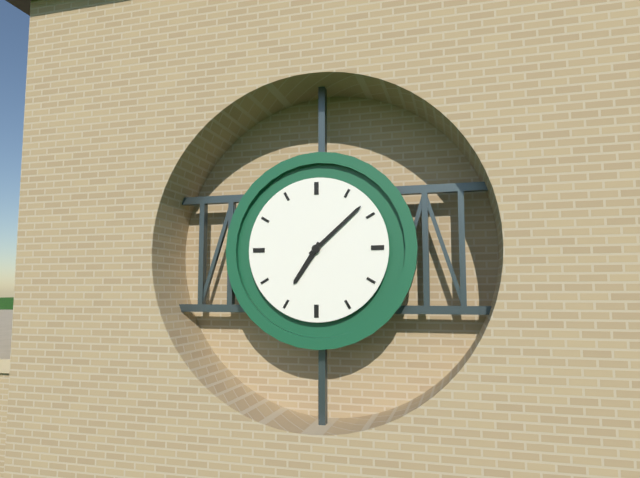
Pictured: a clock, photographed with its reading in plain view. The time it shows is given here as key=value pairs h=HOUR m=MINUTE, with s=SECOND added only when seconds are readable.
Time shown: h=7 m=8
